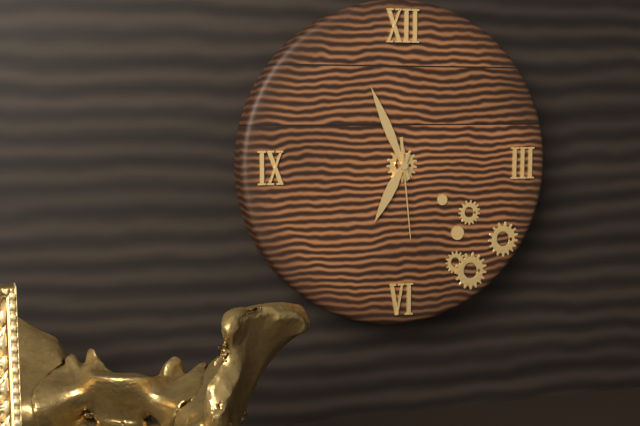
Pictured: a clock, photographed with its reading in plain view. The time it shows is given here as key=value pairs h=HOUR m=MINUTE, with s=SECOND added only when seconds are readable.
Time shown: h=6 m=56 s=29
